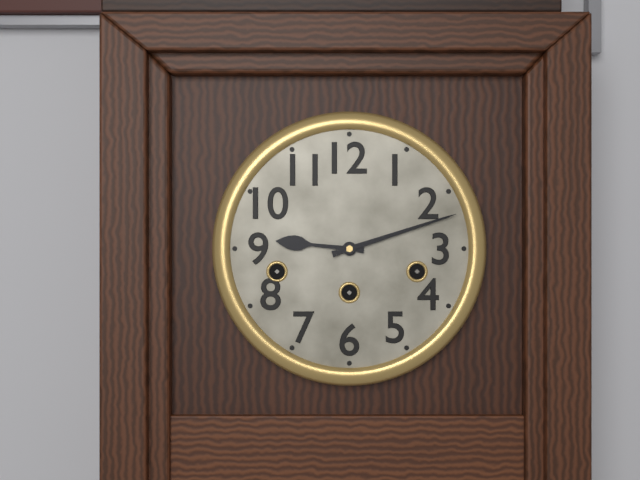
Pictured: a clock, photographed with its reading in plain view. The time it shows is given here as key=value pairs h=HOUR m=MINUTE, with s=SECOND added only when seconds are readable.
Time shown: h=9 m=12
